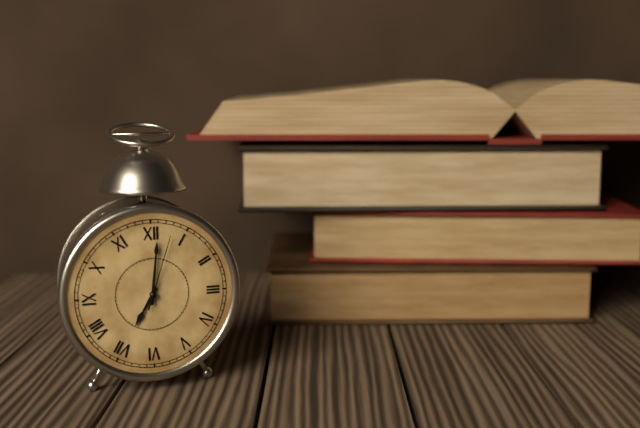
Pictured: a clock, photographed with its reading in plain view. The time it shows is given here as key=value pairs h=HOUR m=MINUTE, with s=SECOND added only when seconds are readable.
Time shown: h=7 m=1 s=3
